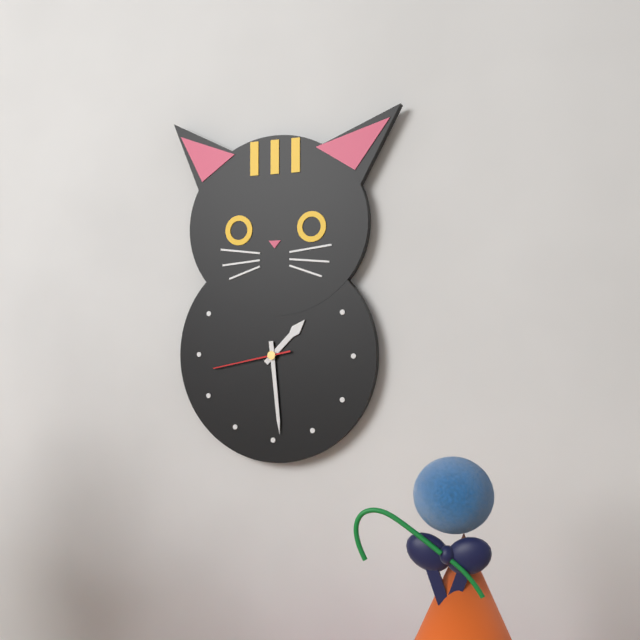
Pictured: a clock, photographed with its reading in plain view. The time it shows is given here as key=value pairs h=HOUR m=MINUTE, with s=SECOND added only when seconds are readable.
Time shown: h=1 m=29 s=43
